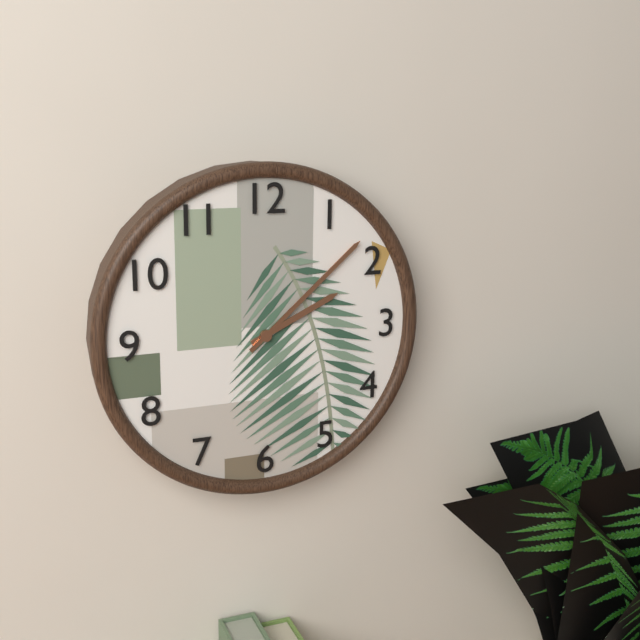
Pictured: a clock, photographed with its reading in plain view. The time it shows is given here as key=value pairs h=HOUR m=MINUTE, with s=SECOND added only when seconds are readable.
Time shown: h=2 m=8
